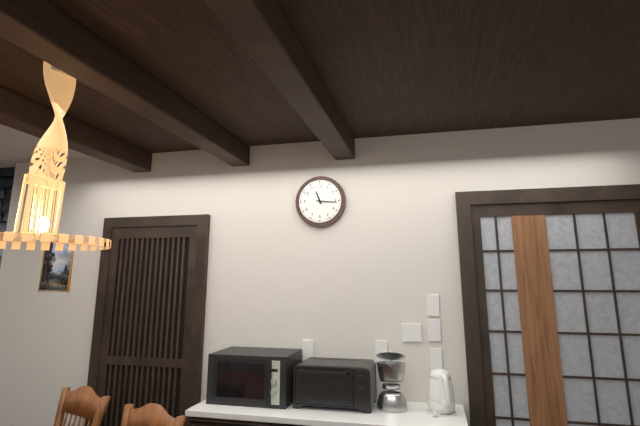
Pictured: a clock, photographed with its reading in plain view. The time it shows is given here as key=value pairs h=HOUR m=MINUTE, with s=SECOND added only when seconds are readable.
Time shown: h=11 m=16
